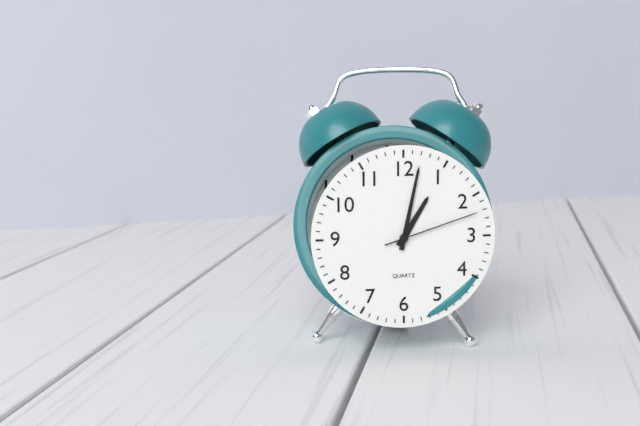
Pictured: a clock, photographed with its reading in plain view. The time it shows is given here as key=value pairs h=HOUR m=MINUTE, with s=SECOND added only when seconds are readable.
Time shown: h=1 m=2 s=12
